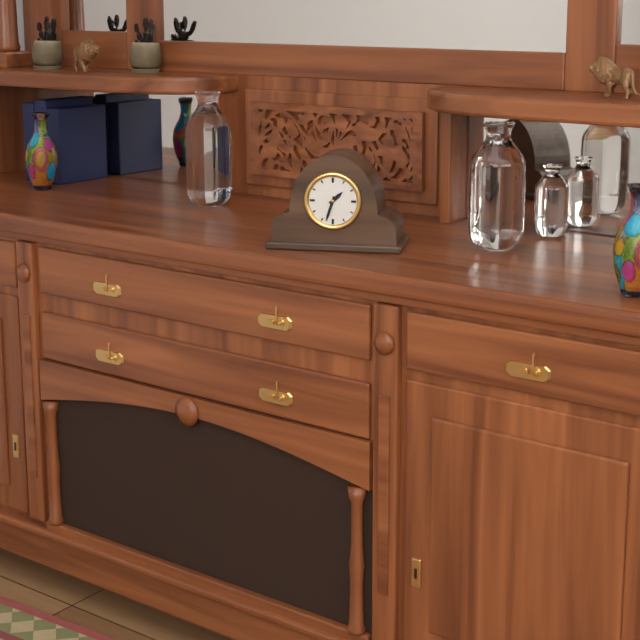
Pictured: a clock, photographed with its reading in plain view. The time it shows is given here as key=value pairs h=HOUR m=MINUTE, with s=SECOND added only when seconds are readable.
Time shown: h=1 m=33
